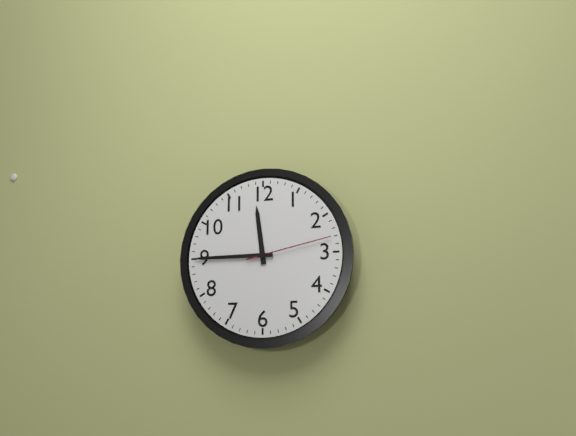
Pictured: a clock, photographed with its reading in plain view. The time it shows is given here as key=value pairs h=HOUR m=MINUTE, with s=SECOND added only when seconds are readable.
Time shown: h=11 m=45 s=13
